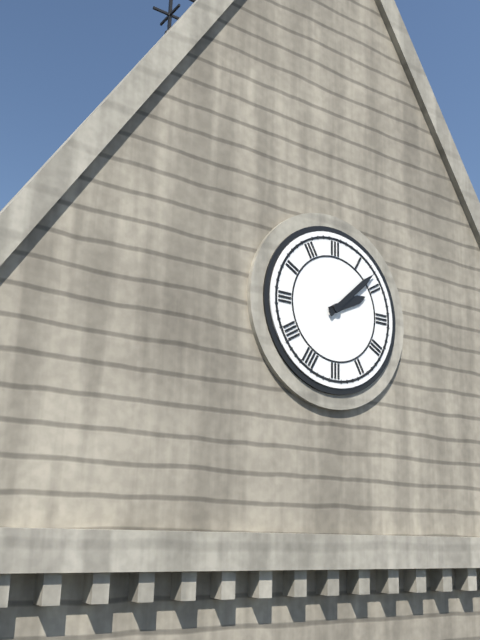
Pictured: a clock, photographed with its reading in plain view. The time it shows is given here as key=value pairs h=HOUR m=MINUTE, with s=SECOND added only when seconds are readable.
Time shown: h=2 m=8
